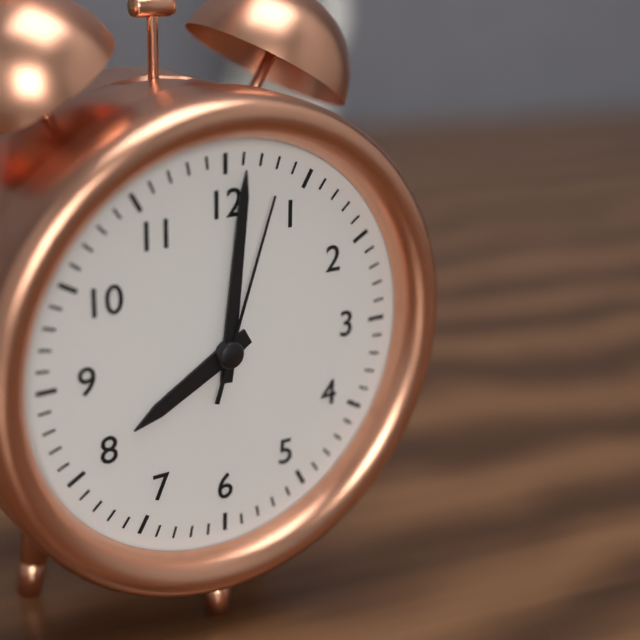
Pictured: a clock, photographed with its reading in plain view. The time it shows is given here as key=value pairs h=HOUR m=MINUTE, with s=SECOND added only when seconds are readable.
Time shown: h=8 m=1 s=3
